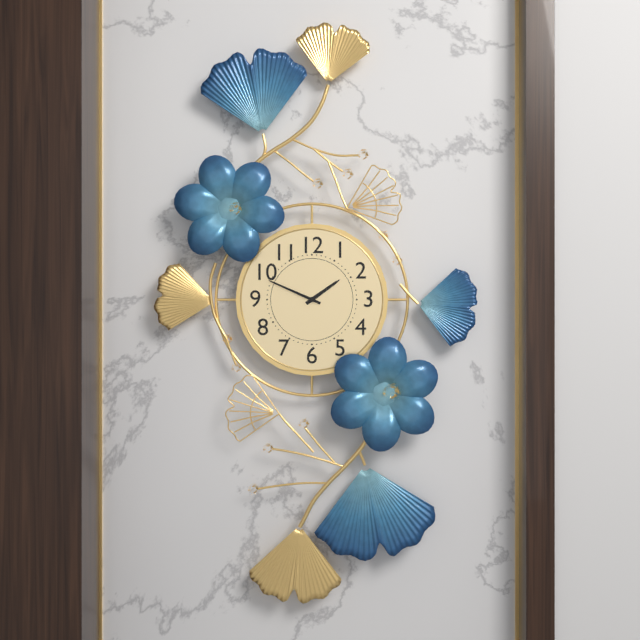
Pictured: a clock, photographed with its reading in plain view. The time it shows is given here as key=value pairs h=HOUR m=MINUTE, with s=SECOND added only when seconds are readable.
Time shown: h=1 m=49
